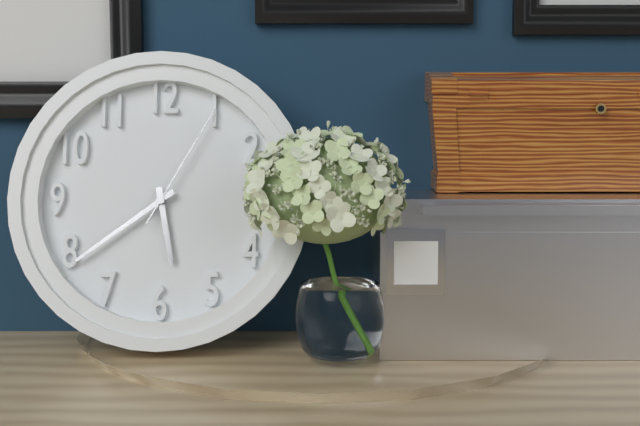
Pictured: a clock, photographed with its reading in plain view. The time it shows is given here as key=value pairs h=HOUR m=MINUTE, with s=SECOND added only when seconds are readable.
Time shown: h=5 m=39 s=5
